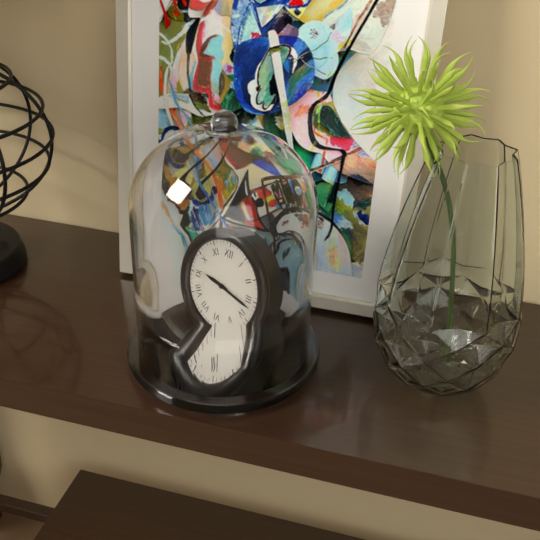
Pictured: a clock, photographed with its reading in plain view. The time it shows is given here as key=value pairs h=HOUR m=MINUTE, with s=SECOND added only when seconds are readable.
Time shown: h=9 m=17
